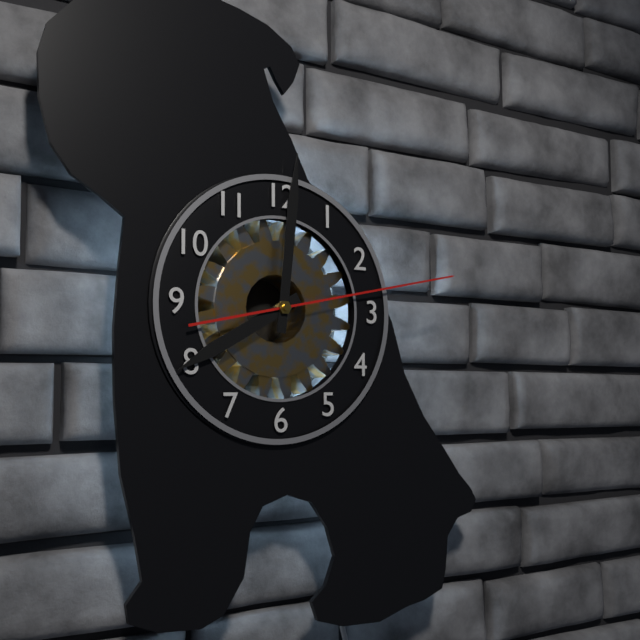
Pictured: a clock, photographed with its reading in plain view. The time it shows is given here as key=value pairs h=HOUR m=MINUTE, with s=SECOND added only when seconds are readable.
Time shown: h=8 m=1 s=13
